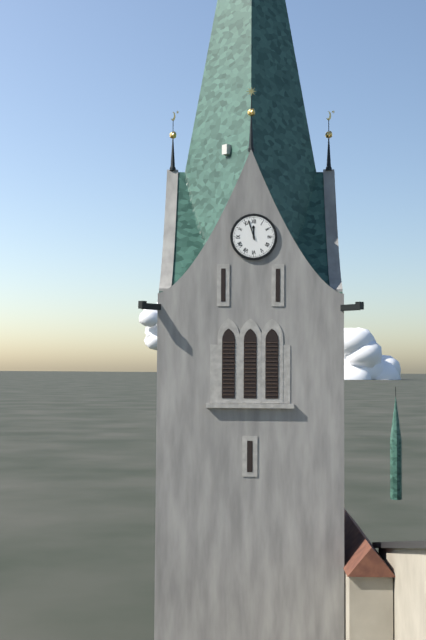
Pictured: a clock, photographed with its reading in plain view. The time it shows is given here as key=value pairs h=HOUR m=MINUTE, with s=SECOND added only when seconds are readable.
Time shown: h=11 m=57
